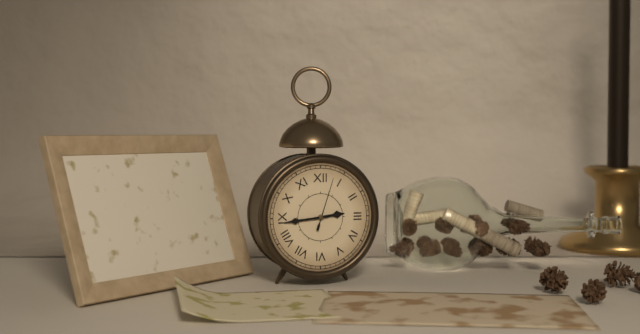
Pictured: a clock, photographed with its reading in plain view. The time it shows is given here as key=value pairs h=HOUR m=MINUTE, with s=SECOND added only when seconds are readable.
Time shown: h=2 m=44 s=3
